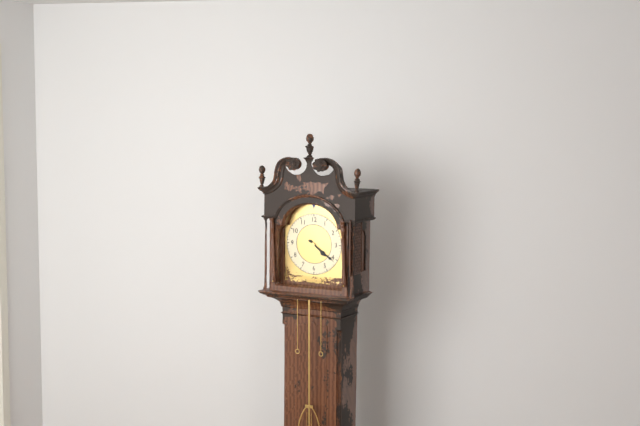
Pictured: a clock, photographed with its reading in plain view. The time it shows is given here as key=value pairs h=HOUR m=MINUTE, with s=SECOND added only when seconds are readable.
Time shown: h=4 m=21
